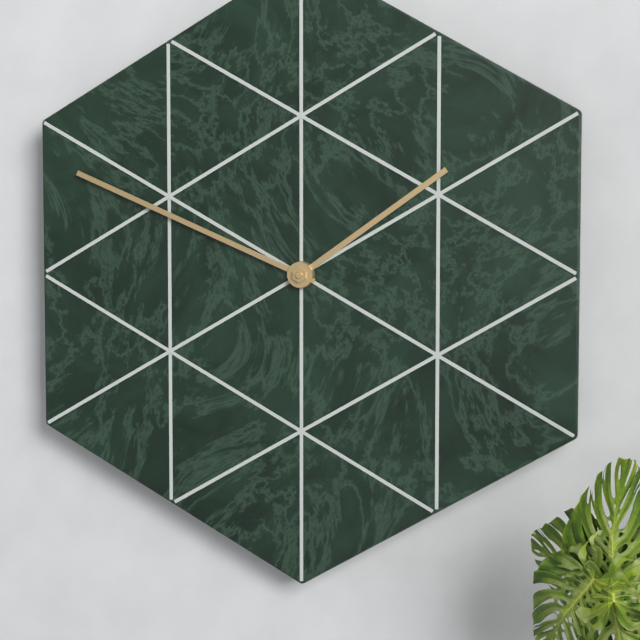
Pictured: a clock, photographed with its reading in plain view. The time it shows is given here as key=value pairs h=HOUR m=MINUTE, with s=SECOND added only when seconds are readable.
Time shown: h=1 m=49
